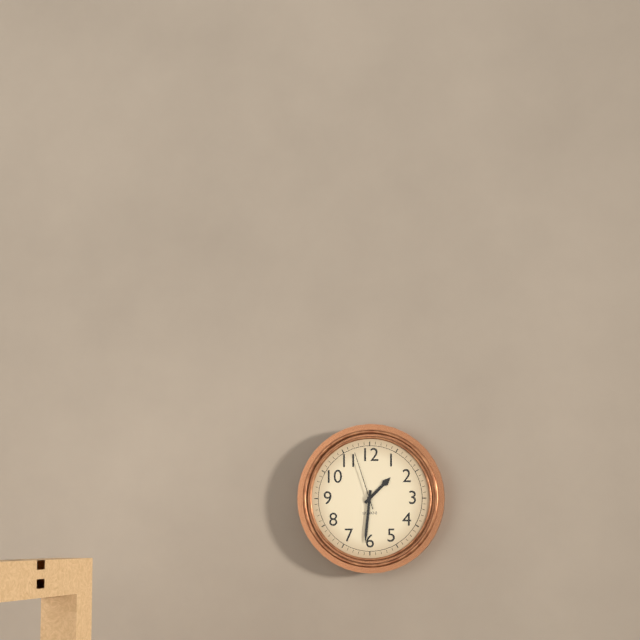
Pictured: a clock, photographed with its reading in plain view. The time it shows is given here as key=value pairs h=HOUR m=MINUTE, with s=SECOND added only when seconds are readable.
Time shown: h=1 m=31 s=57
